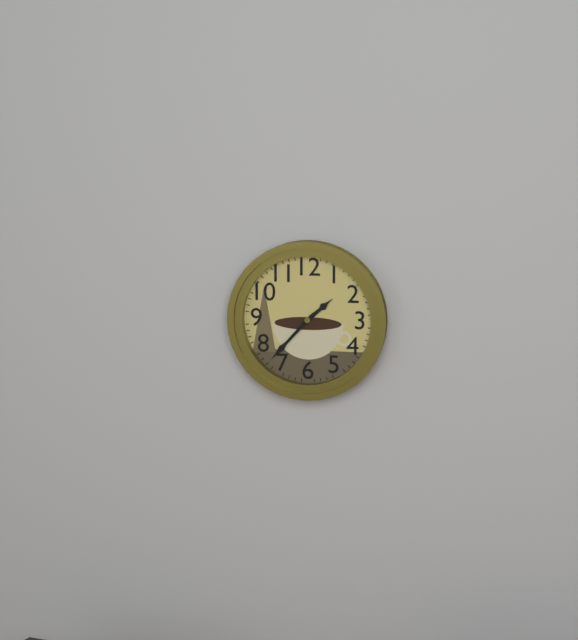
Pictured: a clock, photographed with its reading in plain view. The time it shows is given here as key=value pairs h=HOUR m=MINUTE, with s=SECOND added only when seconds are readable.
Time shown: h=1 m=37
